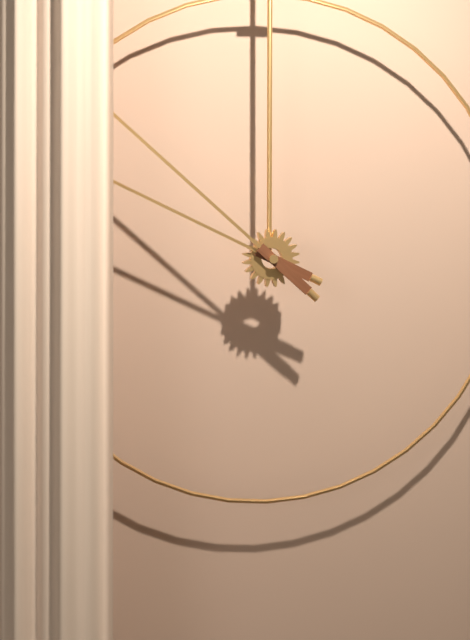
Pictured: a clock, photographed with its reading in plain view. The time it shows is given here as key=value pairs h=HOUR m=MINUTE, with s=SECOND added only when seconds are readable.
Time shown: h=9 m=52
